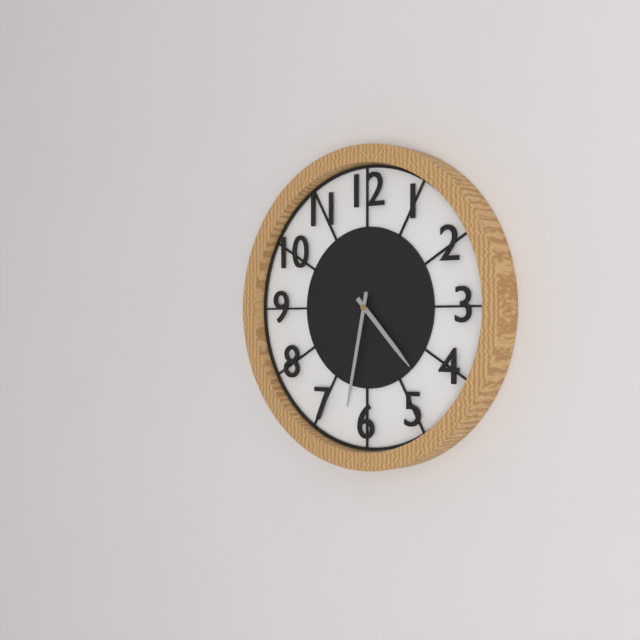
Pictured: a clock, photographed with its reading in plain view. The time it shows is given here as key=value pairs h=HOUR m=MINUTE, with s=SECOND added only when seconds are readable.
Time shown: h=4 m=32
